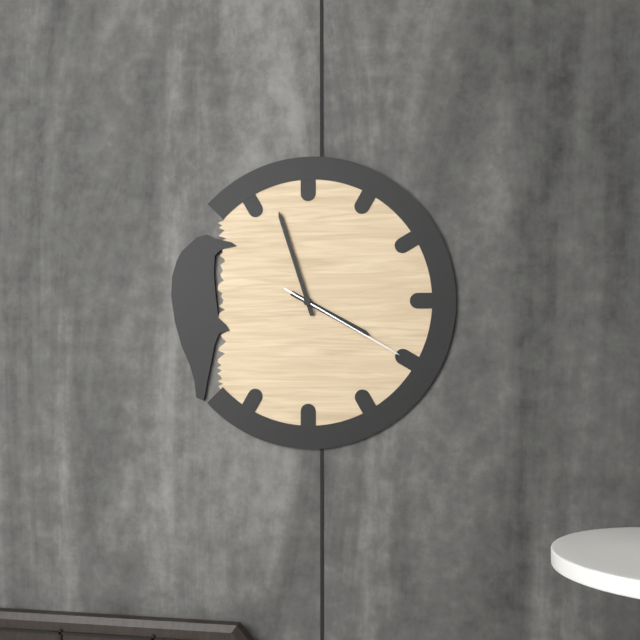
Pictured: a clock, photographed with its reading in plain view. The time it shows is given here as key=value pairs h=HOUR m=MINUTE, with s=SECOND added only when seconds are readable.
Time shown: h=3 m=57 s=20
